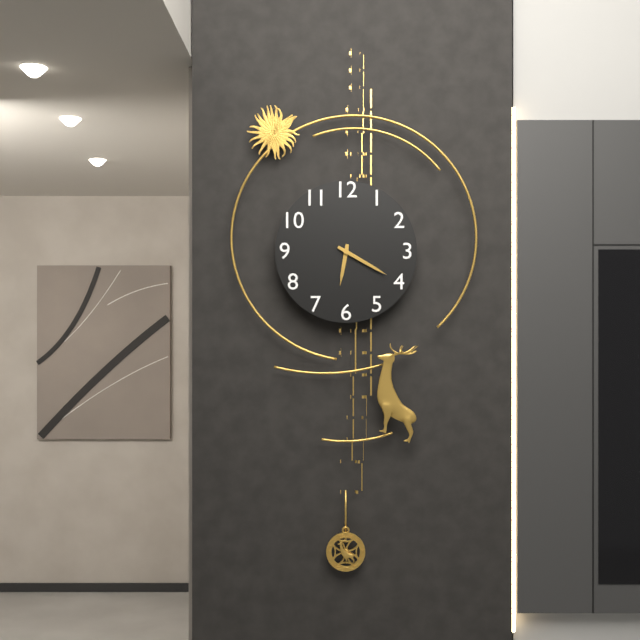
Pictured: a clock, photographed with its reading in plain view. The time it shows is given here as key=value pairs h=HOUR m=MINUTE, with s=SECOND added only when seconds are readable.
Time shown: h=6 m=20
